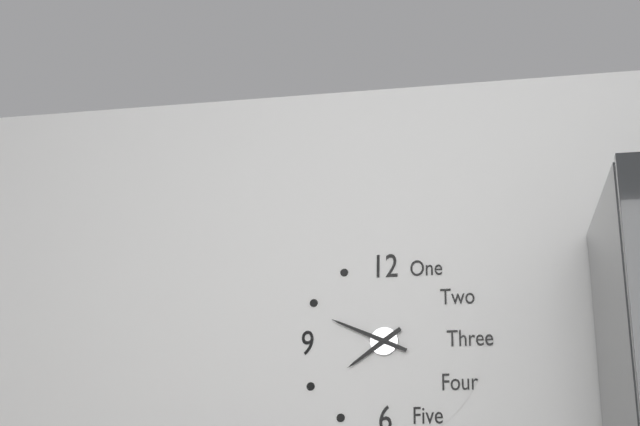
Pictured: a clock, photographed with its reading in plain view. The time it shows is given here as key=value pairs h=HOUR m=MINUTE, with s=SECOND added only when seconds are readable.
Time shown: h=7 m=49
